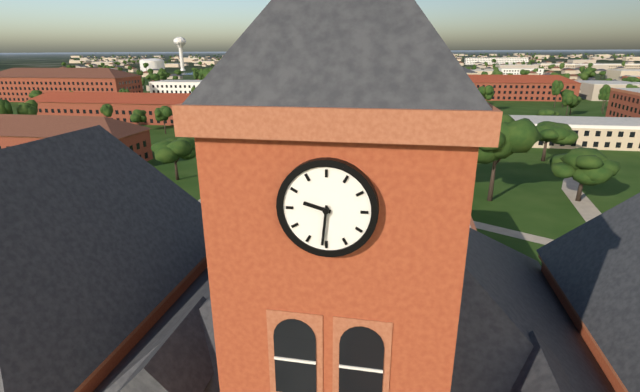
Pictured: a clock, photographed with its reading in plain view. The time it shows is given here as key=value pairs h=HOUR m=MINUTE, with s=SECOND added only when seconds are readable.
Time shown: h=9 m=31
